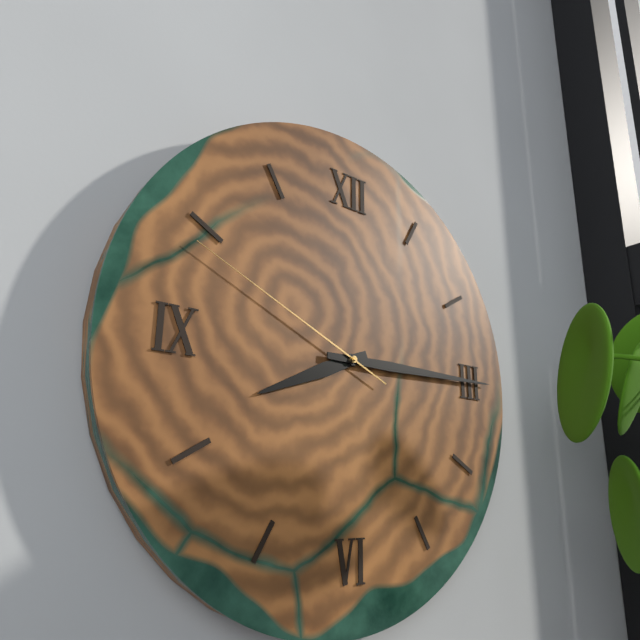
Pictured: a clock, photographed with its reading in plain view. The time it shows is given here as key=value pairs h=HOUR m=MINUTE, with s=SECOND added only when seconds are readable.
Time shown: h=8 m=15 s=49
